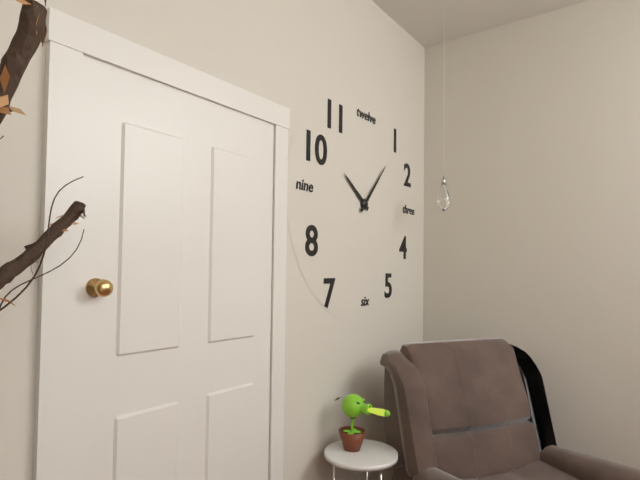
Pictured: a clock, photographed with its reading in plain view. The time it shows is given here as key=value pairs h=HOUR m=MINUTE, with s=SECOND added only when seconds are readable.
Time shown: h=10 m=7
